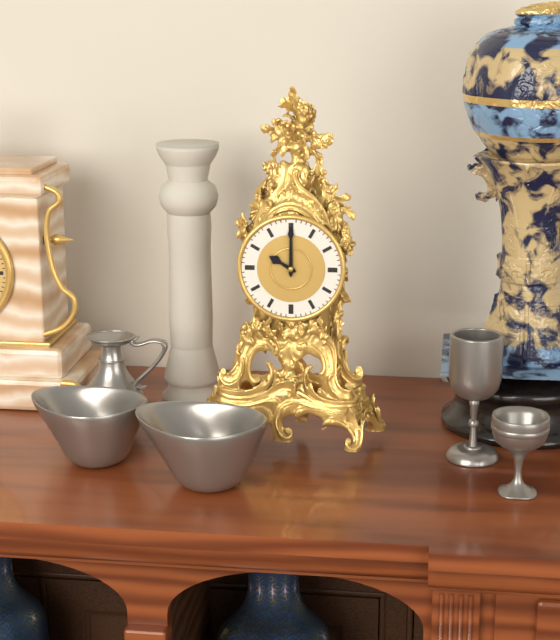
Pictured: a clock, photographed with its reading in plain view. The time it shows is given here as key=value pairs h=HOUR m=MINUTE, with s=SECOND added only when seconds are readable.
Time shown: h=10 m=0
